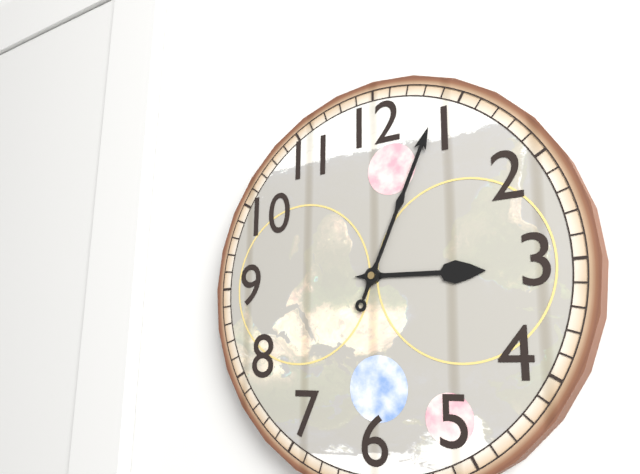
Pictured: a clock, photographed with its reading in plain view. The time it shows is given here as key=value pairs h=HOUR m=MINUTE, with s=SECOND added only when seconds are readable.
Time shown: h=3 m=4
